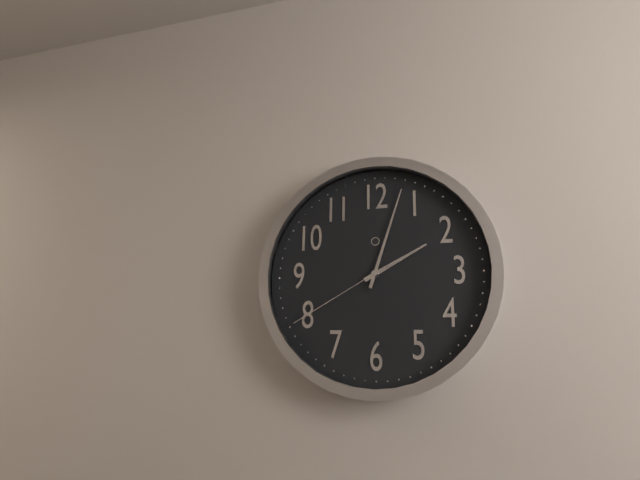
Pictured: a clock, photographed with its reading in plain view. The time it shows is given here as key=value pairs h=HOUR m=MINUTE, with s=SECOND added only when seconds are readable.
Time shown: h=2 m=3 s=40
